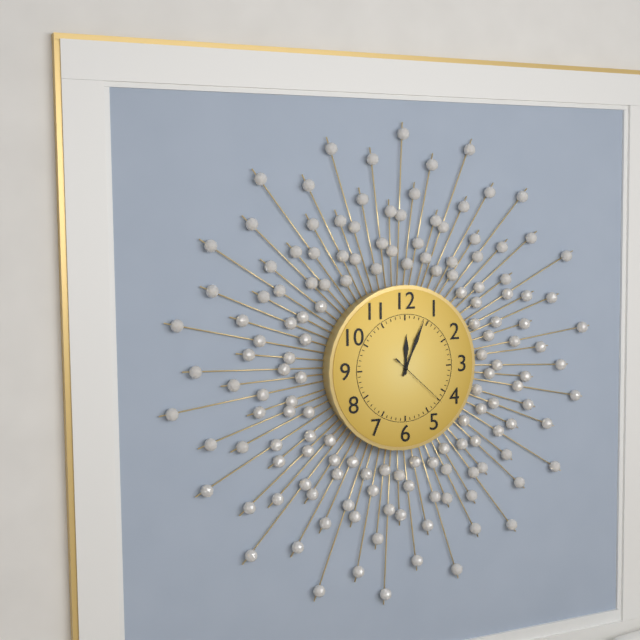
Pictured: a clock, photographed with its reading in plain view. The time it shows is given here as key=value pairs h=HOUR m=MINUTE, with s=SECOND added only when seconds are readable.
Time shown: h=12 m=4 s=22
